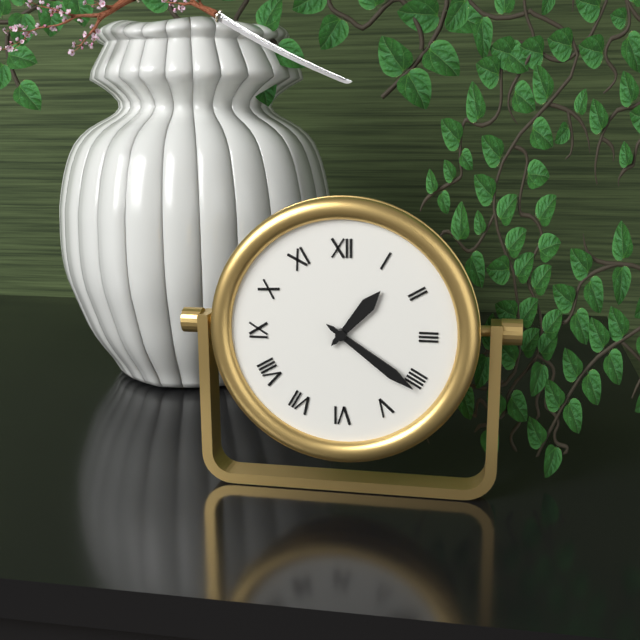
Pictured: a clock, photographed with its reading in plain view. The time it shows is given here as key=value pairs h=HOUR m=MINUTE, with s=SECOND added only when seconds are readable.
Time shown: h=1 m=21
